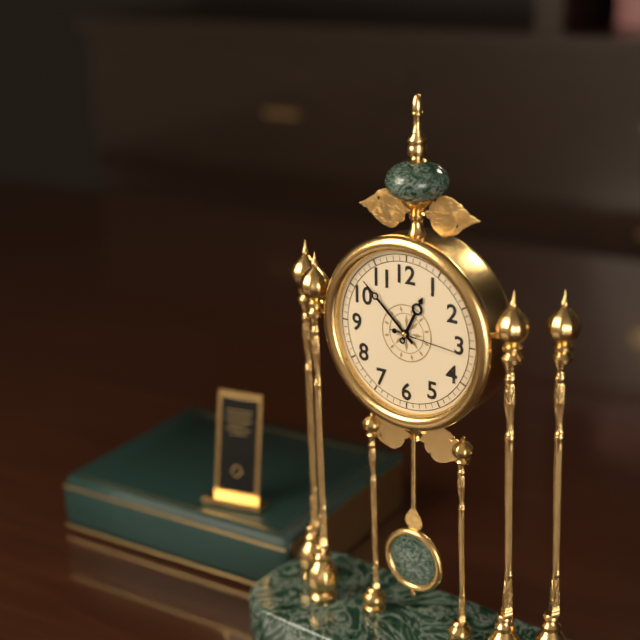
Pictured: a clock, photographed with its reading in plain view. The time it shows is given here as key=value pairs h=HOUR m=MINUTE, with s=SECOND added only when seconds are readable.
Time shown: h=12 m=52 s=16
